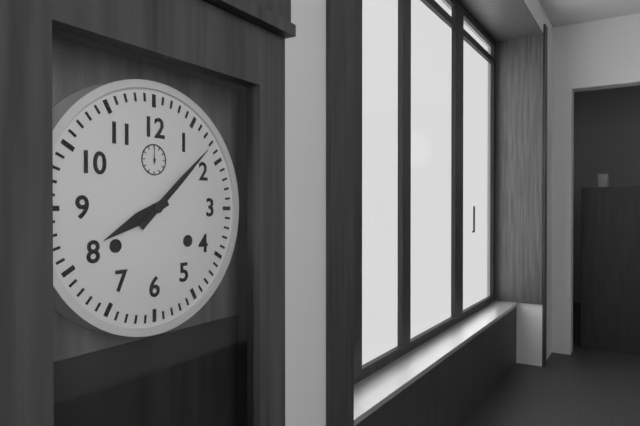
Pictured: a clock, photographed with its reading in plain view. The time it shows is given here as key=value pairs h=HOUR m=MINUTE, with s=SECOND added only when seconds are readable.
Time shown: h=8 m=8
